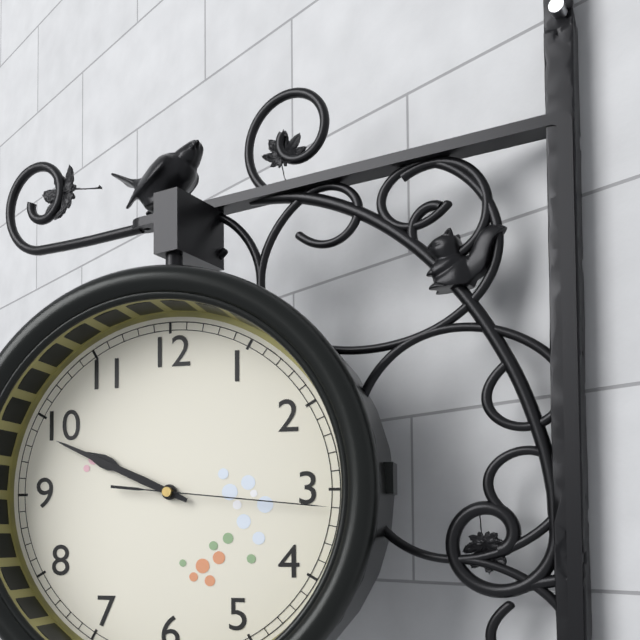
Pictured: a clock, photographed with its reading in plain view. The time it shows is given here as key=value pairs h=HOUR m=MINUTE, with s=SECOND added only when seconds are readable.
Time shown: h=9 m=49 s=16
